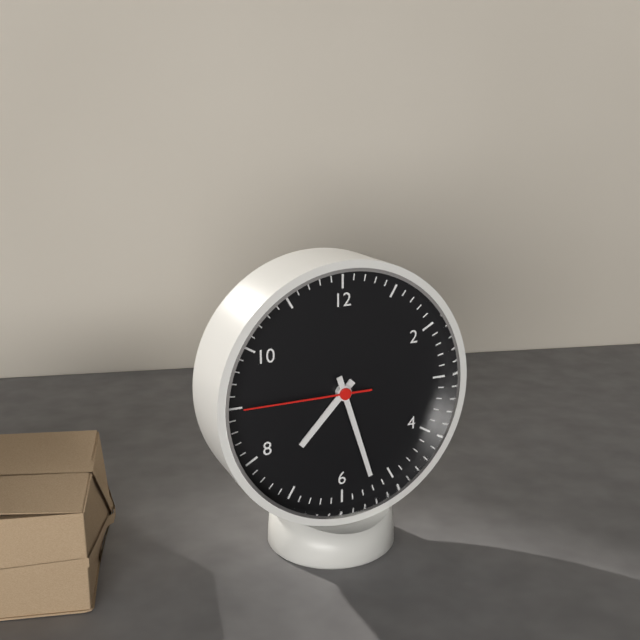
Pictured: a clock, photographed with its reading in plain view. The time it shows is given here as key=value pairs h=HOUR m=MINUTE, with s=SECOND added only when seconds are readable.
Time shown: h=7 m=27 s=45
